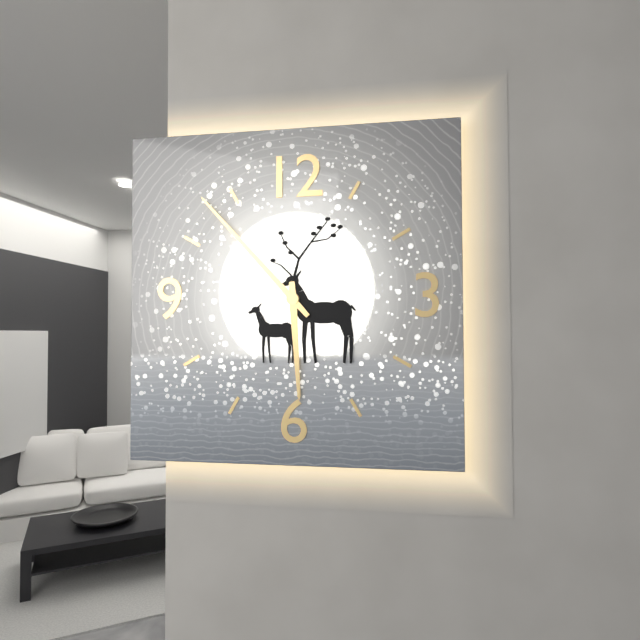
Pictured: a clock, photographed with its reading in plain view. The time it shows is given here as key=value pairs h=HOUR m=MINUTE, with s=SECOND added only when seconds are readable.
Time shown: h=5 m=53
